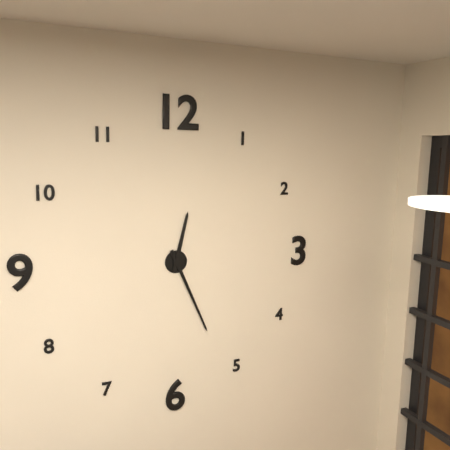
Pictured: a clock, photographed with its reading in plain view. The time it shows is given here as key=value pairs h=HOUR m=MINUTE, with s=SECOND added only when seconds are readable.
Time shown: h=12 m=26
